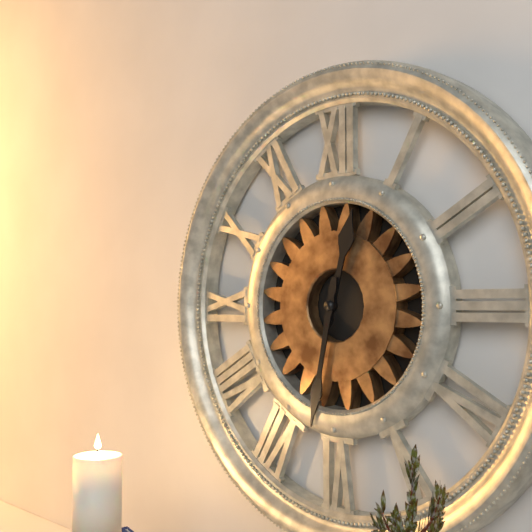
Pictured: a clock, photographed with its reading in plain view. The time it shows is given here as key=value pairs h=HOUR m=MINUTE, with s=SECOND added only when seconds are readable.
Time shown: h=12 m=32
